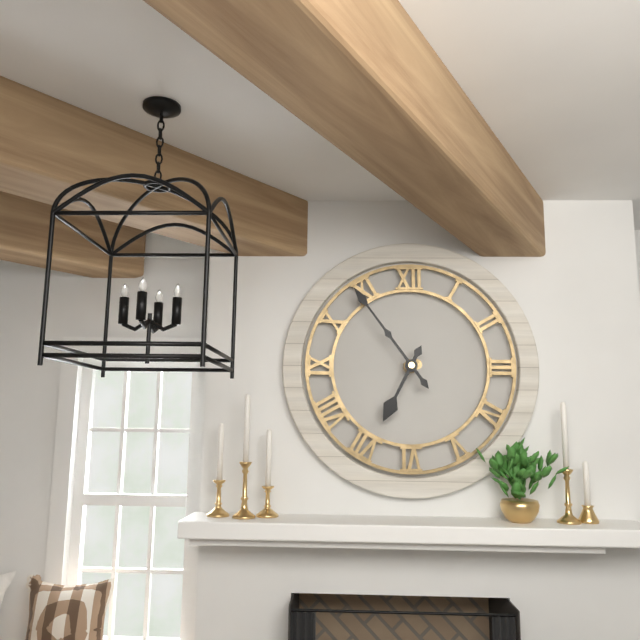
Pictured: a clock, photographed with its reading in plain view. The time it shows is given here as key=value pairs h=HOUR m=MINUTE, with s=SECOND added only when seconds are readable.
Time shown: h=6 m=54
